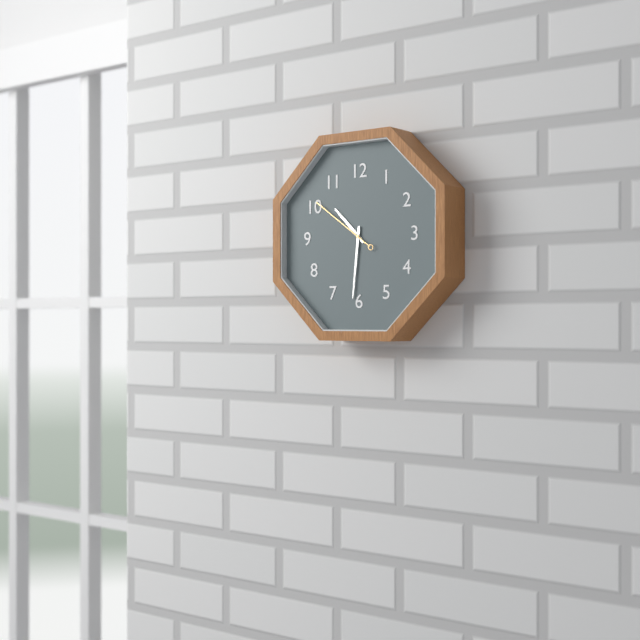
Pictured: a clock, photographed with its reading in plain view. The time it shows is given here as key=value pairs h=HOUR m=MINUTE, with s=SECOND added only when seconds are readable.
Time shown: h=10 m=31 s=51
